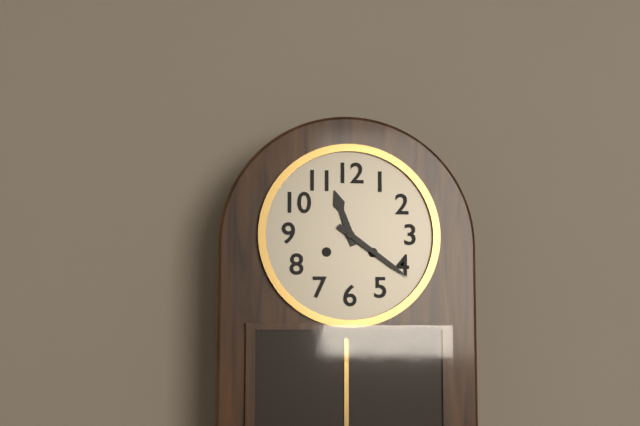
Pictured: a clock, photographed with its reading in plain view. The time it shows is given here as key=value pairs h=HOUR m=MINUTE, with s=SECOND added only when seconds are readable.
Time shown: h=11 m=21
